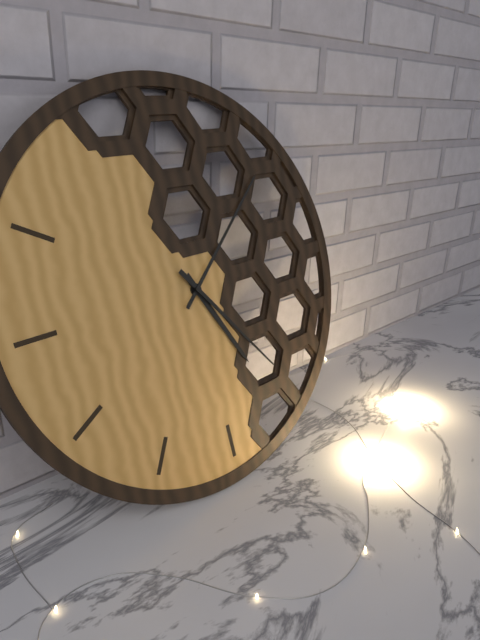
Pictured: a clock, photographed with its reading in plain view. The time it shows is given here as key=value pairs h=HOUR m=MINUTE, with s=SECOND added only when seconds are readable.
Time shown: h=5 m=8 s=24
